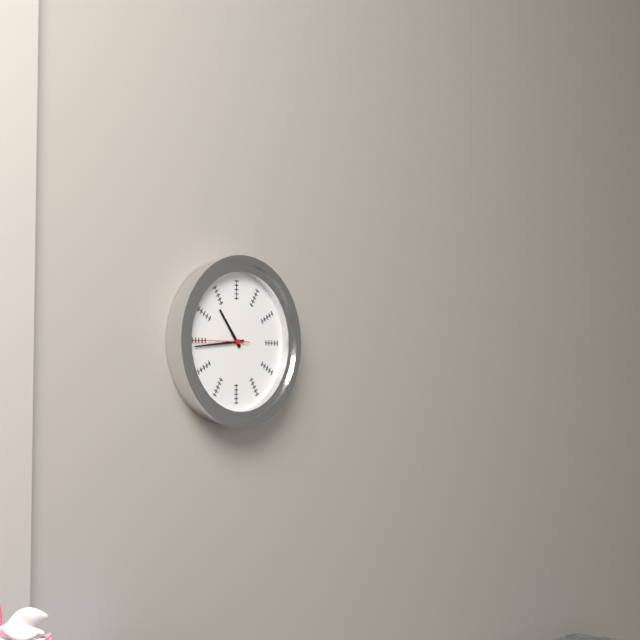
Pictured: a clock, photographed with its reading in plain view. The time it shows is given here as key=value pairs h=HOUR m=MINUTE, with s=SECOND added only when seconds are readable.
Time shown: h=10 m=44 s=45
